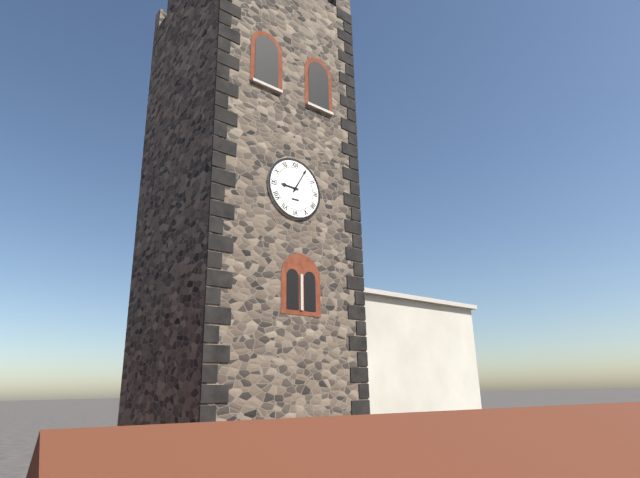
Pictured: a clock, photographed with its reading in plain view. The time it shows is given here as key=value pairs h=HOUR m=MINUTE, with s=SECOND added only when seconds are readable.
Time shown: h=9 m=5
